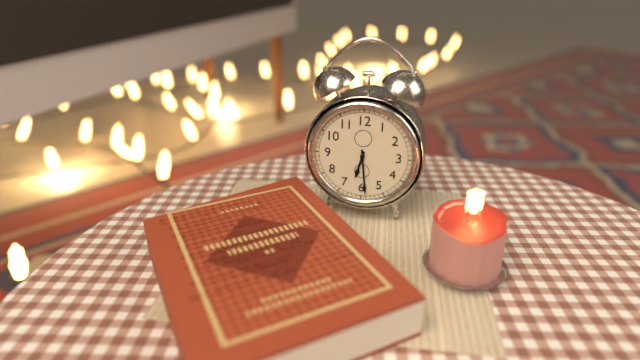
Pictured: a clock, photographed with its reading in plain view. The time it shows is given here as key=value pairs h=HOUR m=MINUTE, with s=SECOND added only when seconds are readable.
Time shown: h=6 m=29
